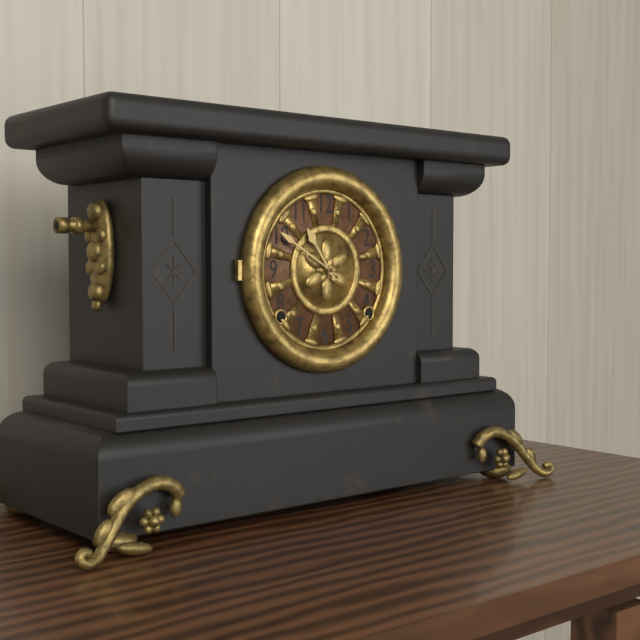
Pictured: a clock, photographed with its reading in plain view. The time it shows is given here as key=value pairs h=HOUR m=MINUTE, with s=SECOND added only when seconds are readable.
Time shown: h=10 m=50
